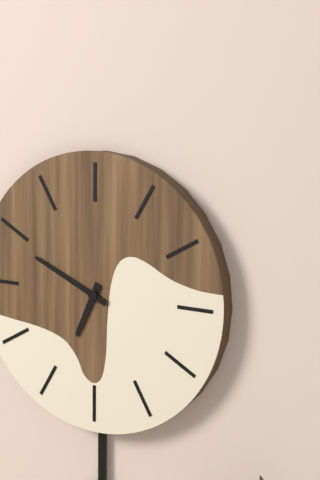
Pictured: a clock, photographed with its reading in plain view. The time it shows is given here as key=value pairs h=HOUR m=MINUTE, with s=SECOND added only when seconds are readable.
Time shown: h=6 m=49
